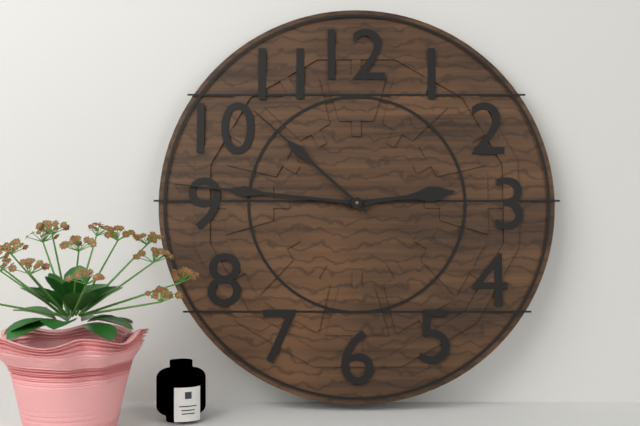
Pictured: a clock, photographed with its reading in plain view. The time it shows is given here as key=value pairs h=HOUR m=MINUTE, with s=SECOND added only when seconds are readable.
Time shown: h=2 m=46 s=52
